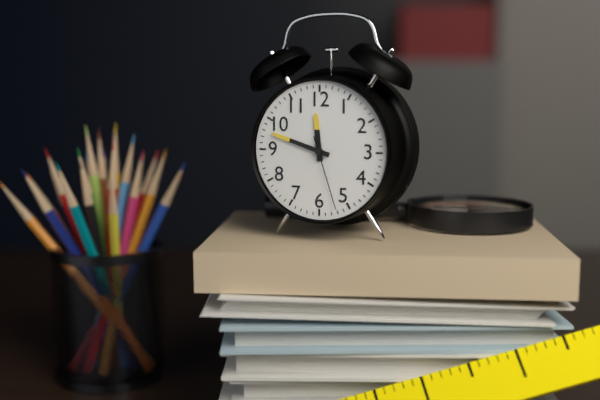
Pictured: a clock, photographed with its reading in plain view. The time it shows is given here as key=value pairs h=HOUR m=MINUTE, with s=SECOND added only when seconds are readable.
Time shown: h=11 m=48 s=27
